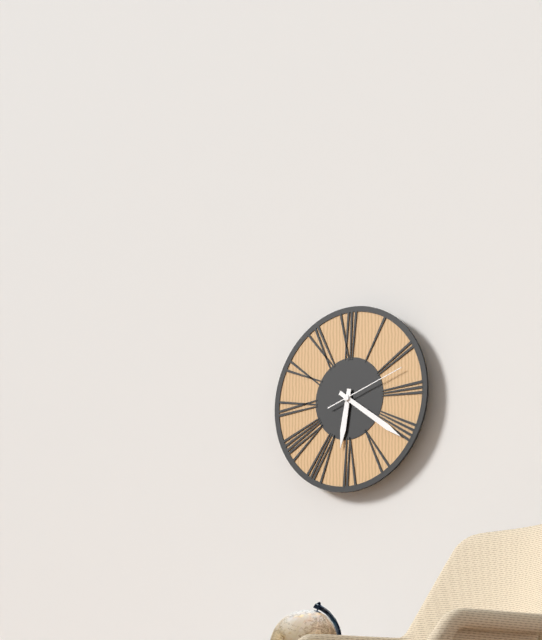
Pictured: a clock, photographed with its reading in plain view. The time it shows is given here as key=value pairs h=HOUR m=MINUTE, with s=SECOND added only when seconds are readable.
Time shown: h=6 m=21 s=12
